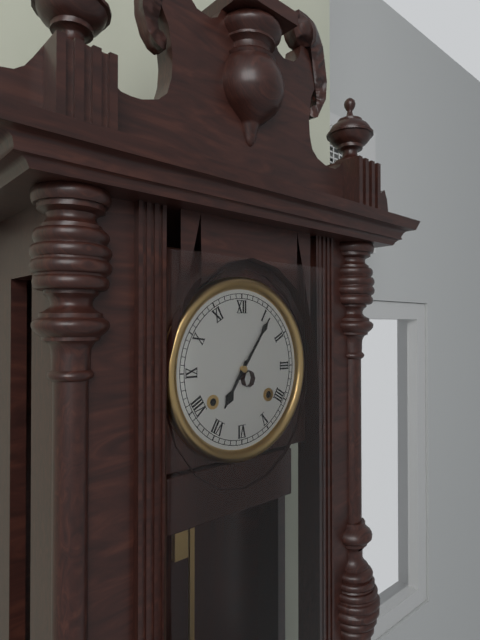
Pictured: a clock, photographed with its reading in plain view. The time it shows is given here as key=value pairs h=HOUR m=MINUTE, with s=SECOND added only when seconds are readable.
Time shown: h=7 m=6
